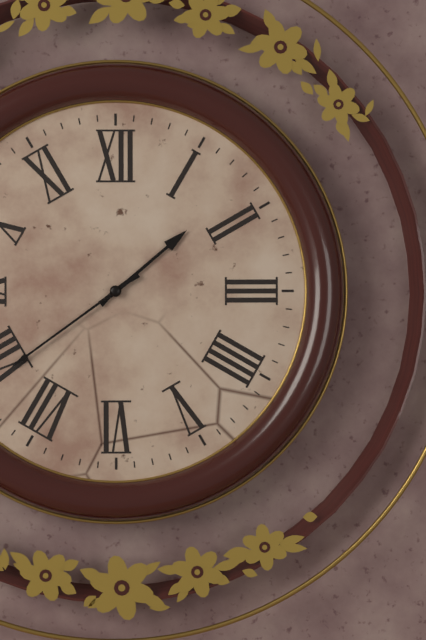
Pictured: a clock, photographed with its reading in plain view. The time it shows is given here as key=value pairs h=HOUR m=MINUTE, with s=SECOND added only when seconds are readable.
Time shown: h=1 m=39
